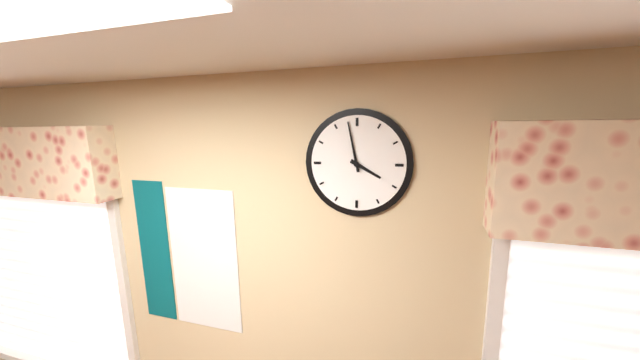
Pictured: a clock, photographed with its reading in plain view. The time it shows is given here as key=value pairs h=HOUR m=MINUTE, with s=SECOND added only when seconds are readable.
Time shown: h=3 m=58
